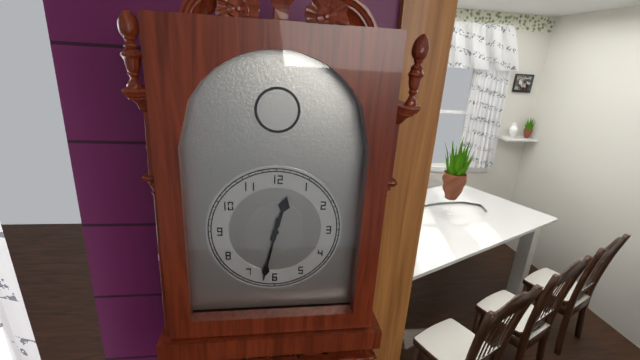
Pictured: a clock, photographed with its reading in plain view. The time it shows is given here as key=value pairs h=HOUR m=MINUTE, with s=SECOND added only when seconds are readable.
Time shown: h=12 m=32
